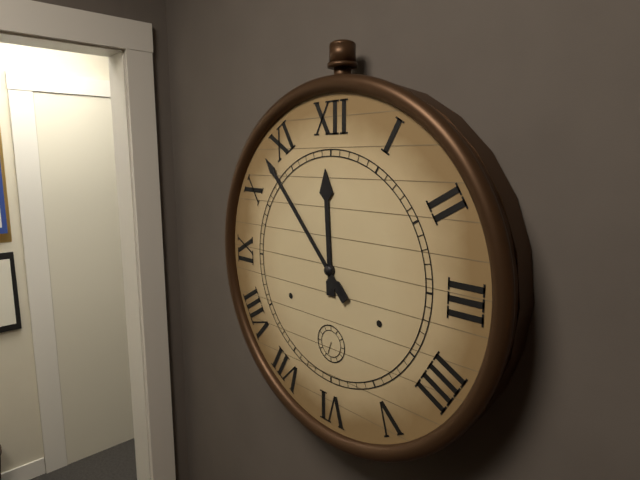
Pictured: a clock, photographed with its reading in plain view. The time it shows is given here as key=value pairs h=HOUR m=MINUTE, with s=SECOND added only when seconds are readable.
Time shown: h=11 m=53
